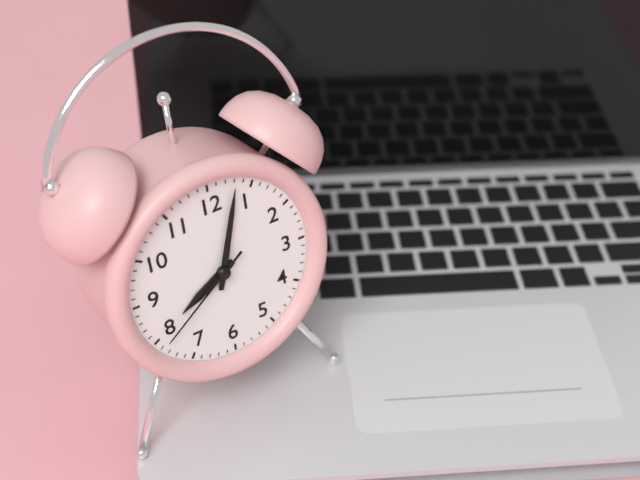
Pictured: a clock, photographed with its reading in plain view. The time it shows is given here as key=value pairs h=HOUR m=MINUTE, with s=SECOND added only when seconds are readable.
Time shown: h=8 m=3 s=39
